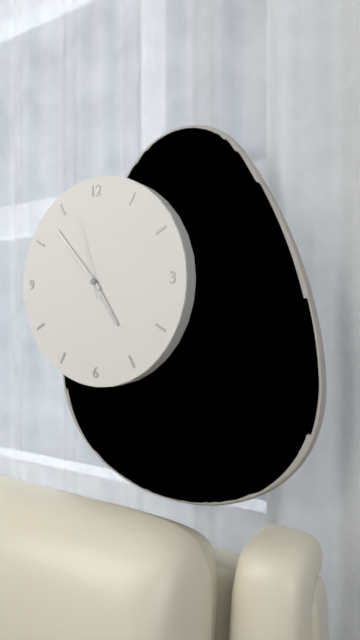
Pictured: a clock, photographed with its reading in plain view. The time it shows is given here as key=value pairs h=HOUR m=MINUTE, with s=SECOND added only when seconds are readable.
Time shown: h=4 m=53 s=57
